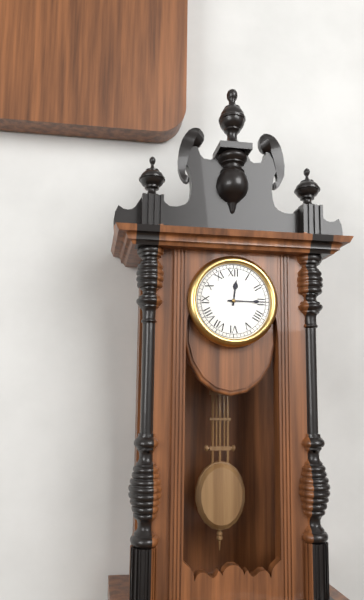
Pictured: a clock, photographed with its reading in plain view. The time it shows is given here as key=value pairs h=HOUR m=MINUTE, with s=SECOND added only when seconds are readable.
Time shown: h=12 m=15
